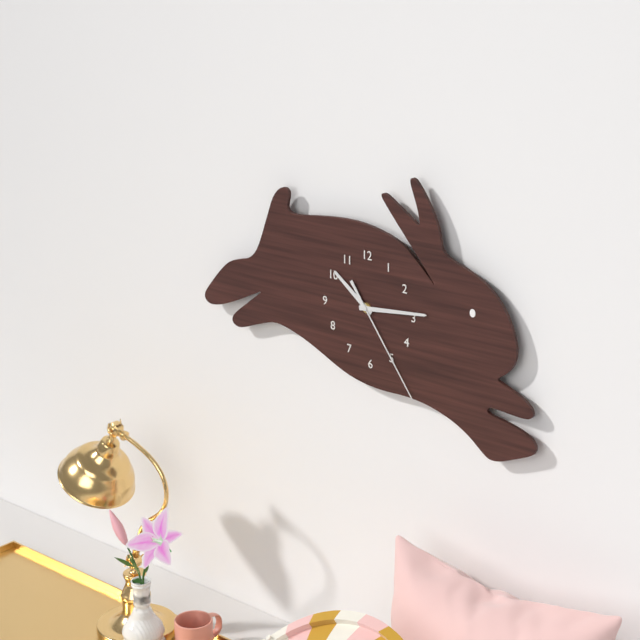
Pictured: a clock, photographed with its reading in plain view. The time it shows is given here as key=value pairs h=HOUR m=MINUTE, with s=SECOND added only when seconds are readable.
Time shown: h=10 m=14 s=24
